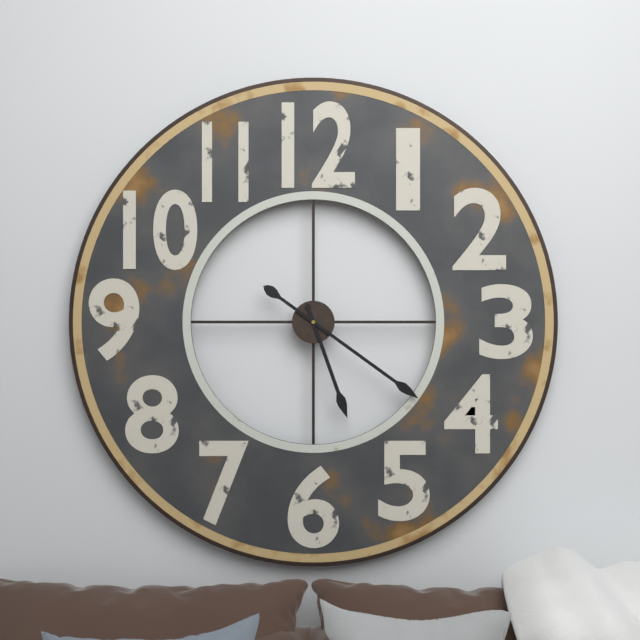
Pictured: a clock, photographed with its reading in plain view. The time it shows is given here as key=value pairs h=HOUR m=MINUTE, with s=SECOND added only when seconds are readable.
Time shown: h=5 m=21
